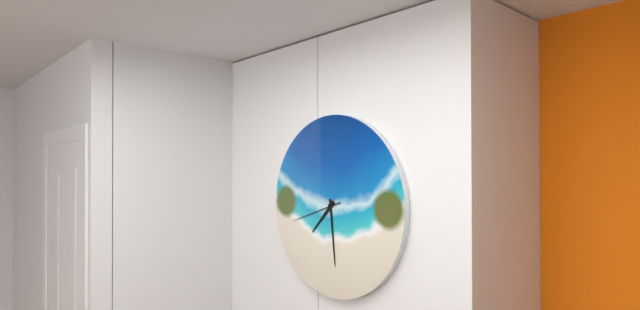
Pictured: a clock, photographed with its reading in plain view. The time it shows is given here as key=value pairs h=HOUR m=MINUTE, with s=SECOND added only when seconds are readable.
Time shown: h=7 m=29 s=42
